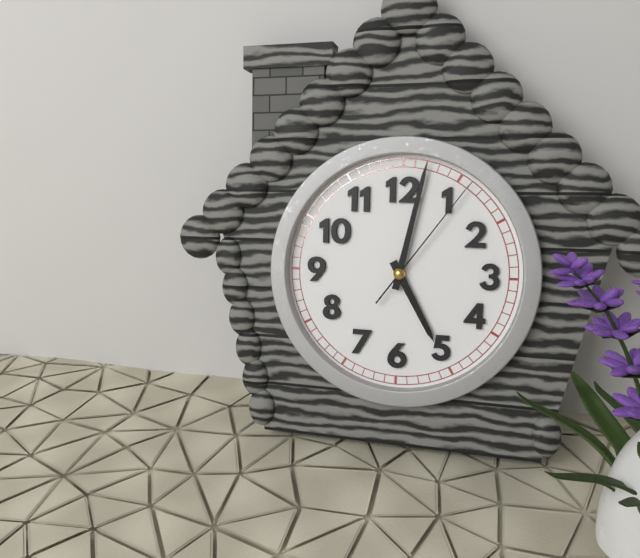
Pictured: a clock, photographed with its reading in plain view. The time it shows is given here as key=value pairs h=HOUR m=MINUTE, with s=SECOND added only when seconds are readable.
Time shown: h=5 m=2 s=6
